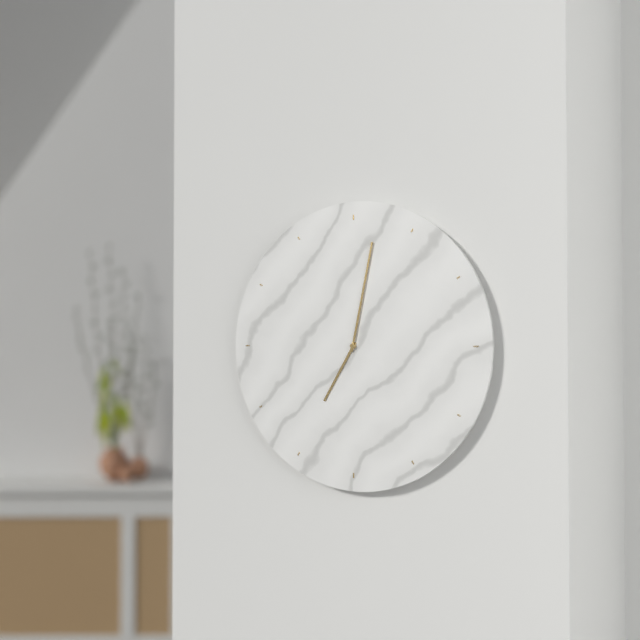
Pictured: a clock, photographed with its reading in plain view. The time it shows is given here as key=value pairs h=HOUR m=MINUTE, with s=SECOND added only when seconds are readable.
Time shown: h=7 m=2
